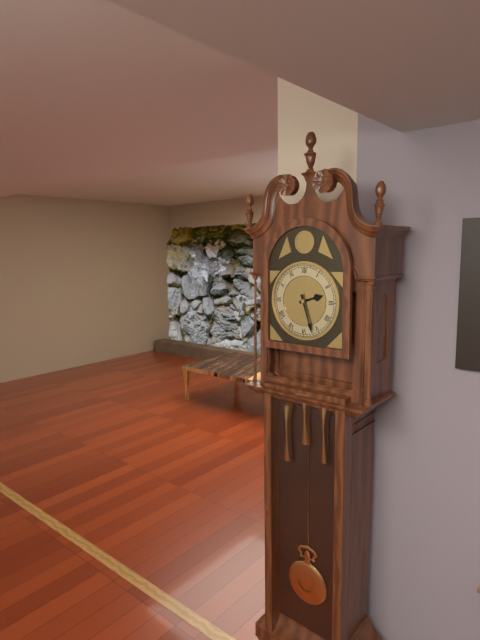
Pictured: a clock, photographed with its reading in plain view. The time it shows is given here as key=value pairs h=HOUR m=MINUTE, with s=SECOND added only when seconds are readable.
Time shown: h=2 m=27
